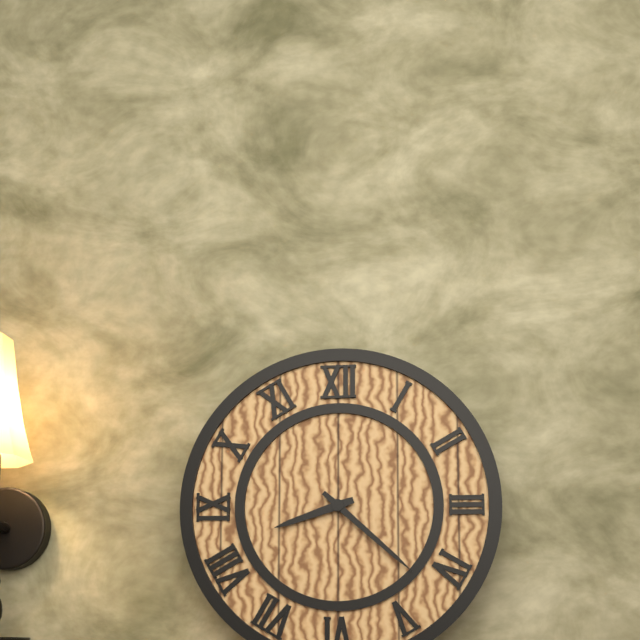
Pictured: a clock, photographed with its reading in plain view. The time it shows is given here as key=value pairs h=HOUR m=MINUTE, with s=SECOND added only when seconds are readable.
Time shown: h=8 m=22
